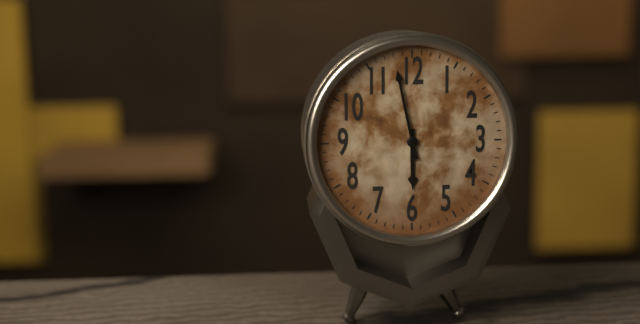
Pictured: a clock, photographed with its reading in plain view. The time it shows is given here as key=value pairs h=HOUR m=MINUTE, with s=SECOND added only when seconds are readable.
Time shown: h=5 m=58
